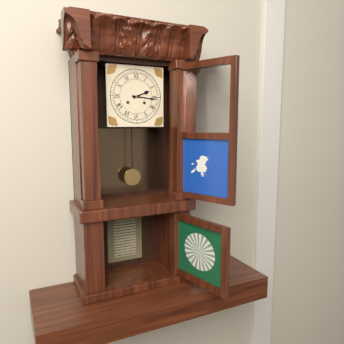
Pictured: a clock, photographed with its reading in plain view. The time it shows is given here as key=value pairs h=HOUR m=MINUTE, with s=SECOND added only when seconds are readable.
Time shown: h=2 m=16
